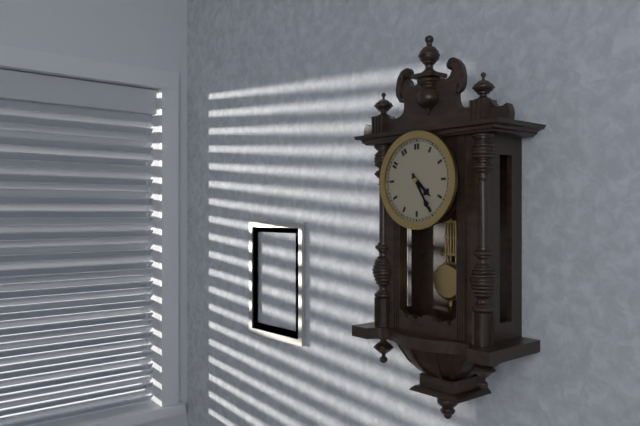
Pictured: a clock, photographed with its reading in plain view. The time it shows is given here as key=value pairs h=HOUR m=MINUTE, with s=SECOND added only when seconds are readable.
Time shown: h=4 m=25
